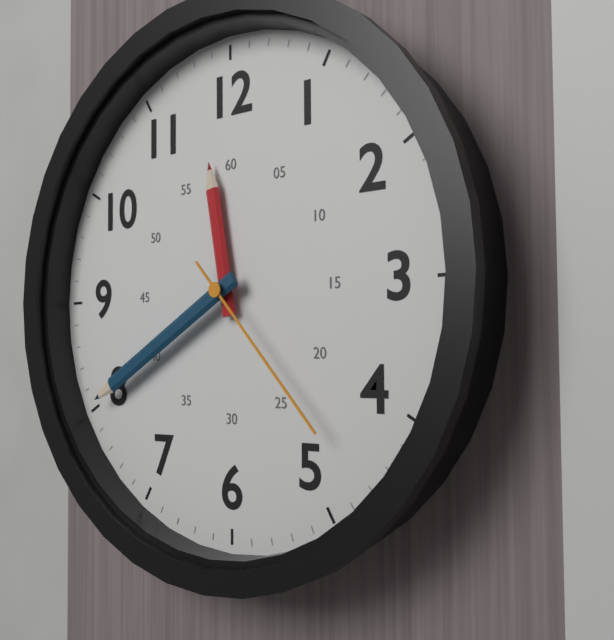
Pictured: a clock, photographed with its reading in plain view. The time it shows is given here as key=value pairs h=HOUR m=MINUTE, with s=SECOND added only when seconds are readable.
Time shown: h=11 m=40 s=23
